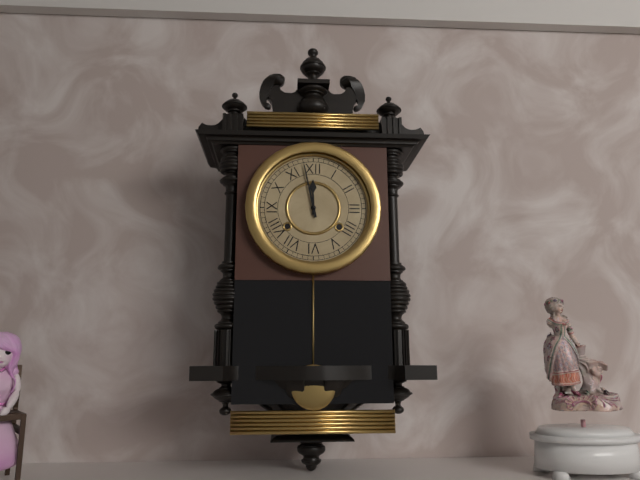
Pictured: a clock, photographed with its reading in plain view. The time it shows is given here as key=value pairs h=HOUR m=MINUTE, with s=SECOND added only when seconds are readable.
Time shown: h=11 m=58
